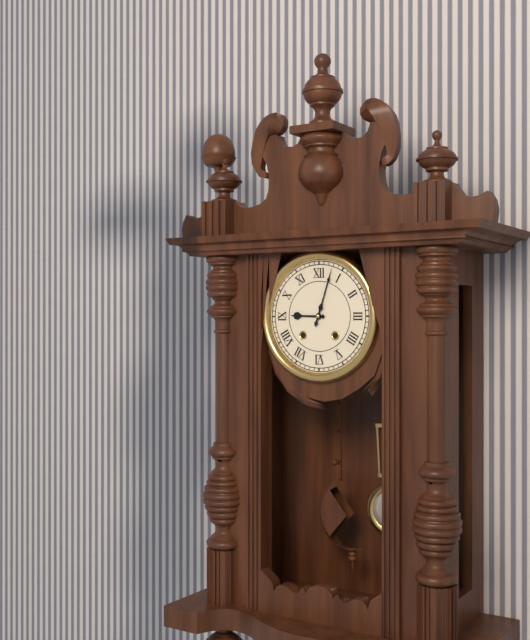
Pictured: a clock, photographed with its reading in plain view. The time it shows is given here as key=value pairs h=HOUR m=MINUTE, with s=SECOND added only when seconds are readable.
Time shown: h=9 m=3
